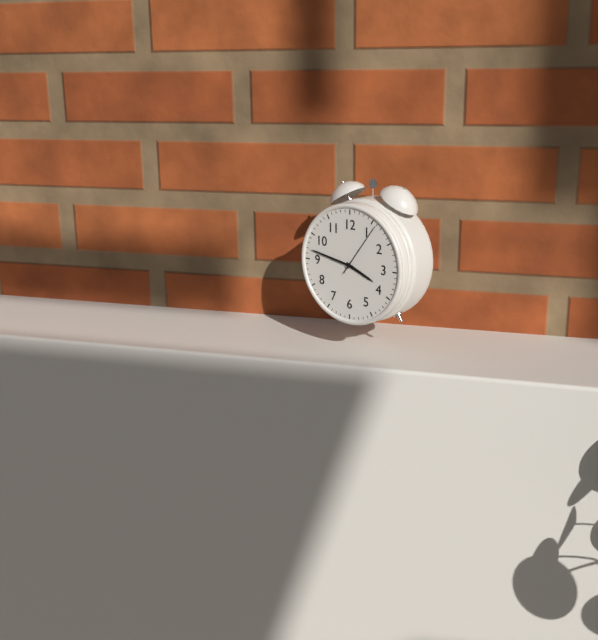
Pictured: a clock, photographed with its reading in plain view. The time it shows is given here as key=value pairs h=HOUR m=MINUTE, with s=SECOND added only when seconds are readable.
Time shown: h=3 m=47 s=6
